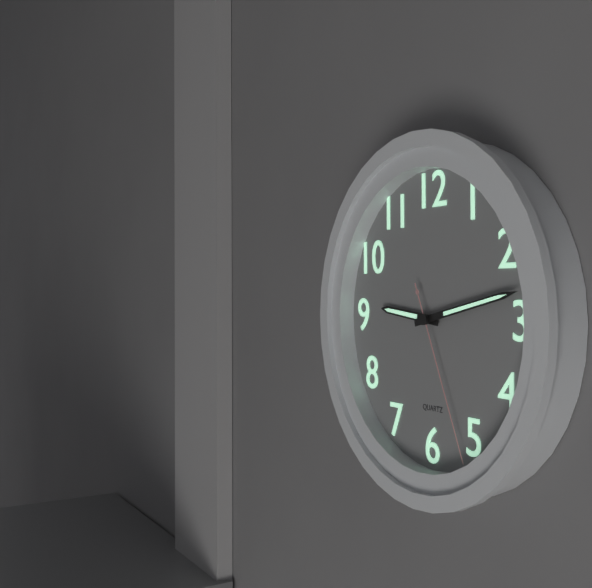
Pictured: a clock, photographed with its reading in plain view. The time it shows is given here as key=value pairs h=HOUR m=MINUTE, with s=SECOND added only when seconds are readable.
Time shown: h=9 m=13 s=26
